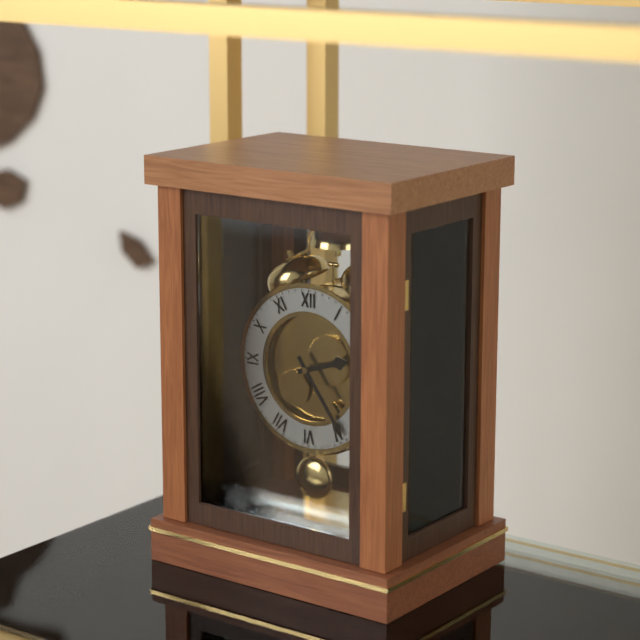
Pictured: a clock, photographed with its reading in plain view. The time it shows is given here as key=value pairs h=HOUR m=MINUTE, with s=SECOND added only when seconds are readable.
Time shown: h=2 m=24
